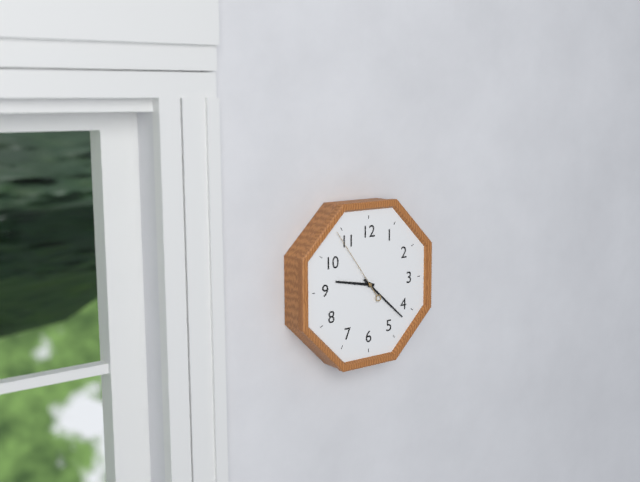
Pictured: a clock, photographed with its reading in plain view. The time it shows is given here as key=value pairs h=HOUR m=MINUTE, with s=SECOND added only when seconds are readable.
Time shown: h=9 m=22 s=54
